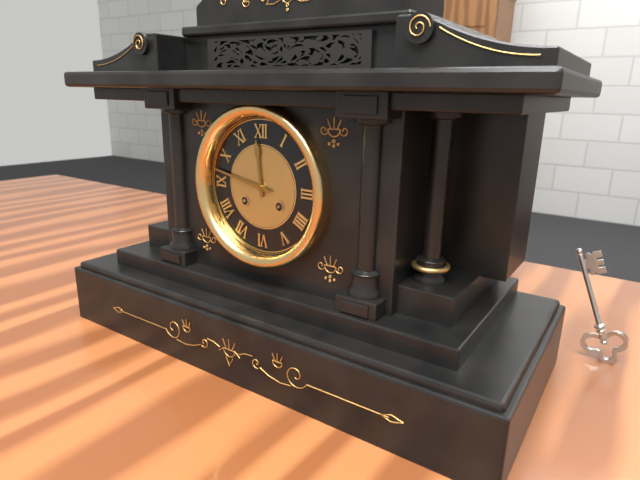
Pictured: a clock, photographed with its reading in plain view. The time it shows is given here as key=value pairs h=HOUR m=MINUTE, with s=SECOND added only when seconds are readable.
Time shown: h=11 m=47
